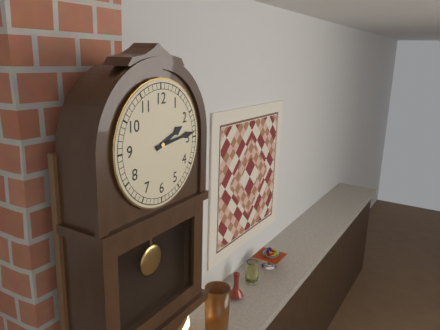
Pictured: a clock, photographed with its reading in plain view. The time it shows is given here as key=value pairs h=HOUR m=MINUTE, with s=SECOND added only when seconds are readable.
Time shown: h=2 m=14
